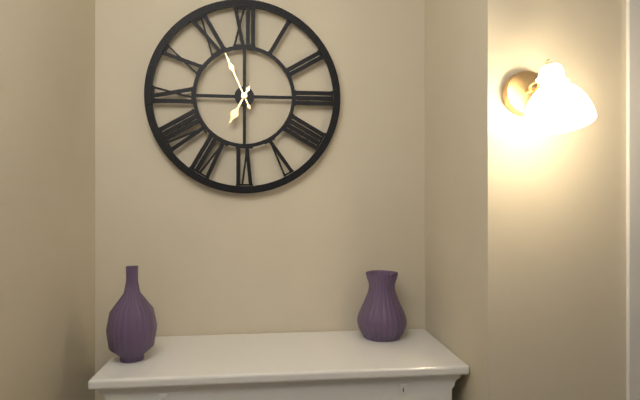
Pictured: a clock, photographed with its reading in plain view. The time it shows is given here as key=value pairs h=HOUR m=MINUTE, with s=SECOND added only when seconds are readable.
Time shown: h=6 m=56
